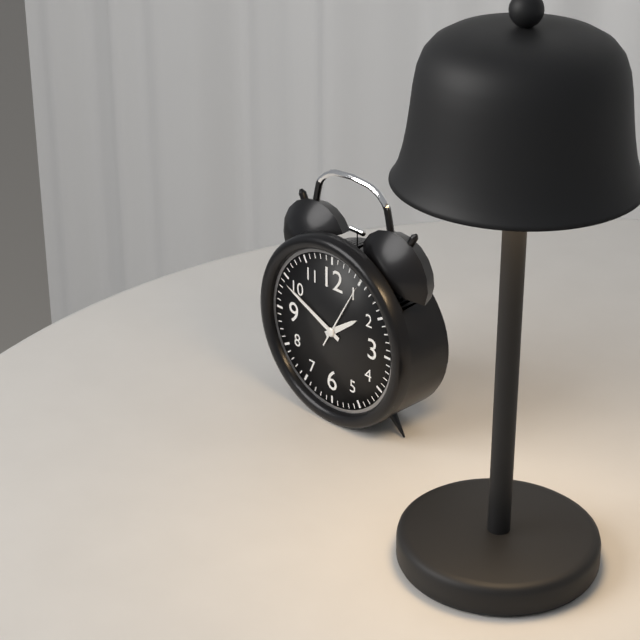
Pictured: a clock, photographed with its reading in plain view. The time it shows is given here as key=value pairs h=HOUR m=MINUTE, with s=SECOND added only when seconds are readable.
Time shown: h=1 m=49 s=5
